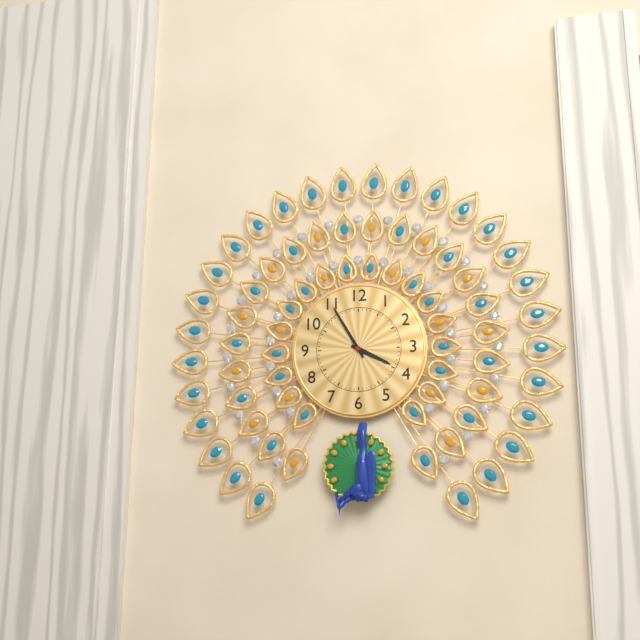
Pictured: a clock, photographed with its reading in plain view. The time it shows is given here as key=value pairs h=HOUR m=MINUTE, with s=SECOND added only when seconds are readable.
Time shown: h=3 m=55
